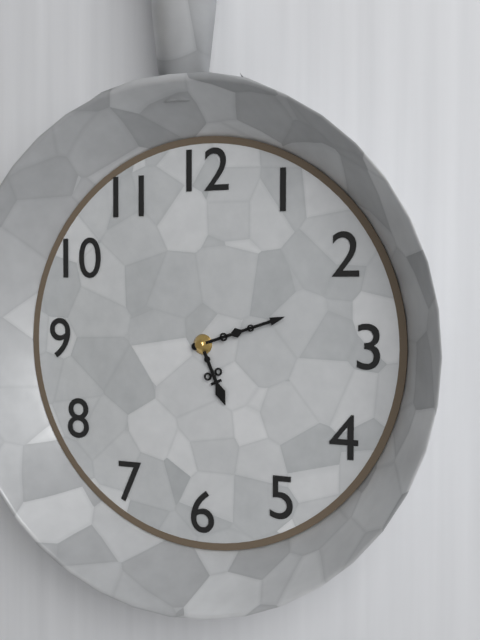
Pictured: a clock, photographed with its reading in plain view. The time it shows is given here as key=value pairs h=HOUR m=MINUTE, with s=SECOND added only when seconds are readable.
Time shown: h=5 m=12
